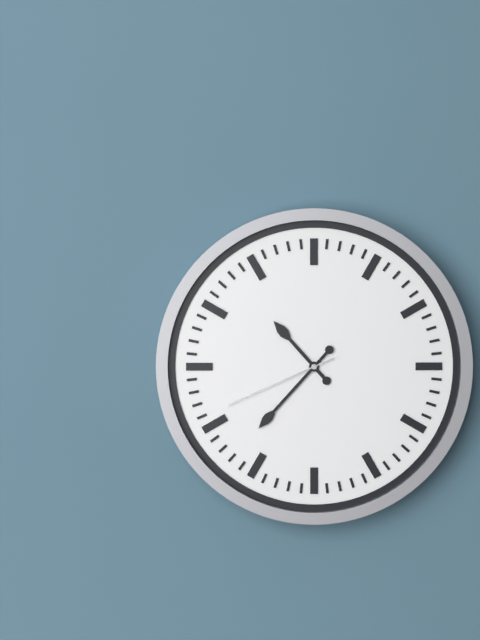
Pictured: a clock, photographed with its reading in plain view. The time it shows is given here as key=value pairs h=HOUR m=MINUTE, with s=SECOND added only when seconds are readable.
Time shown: h=10 m=37 s=41
